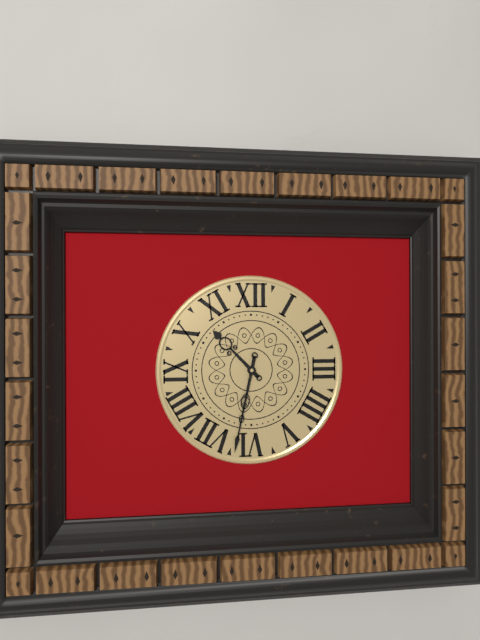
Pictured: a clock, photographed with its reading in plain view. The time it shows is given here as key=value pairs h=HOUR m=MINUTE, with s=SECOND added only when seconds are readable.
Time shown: h=10 m=32
